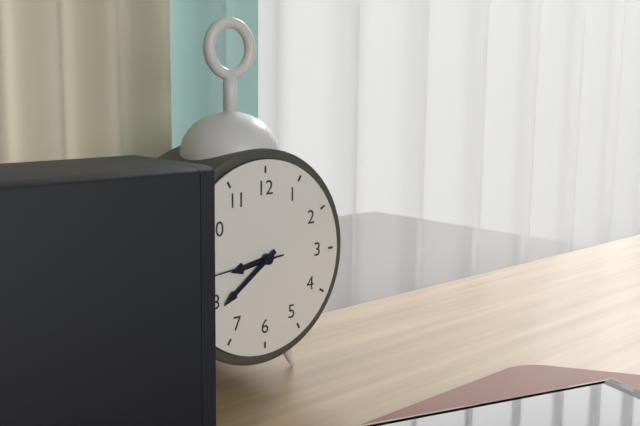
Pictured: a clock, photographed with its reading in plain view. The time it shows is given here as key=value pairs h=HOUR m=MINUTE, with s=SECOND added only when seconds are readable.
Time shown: h=8 m=39 s=44
